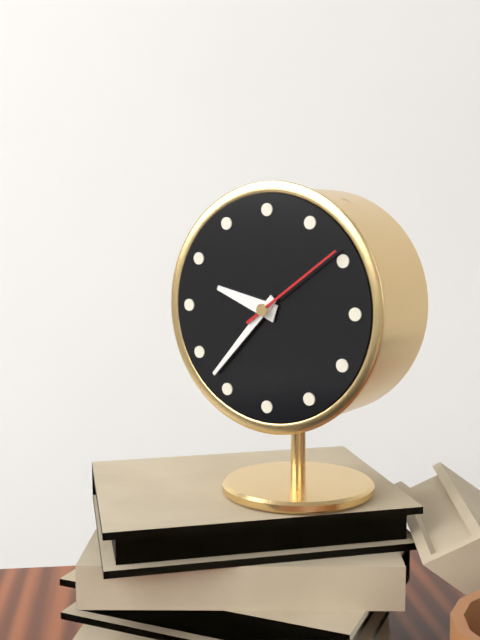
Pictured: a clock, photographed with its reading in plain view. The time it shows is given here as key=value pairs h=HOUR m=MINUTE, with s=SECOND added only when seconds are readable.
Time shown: h=9 m=37 s=9
